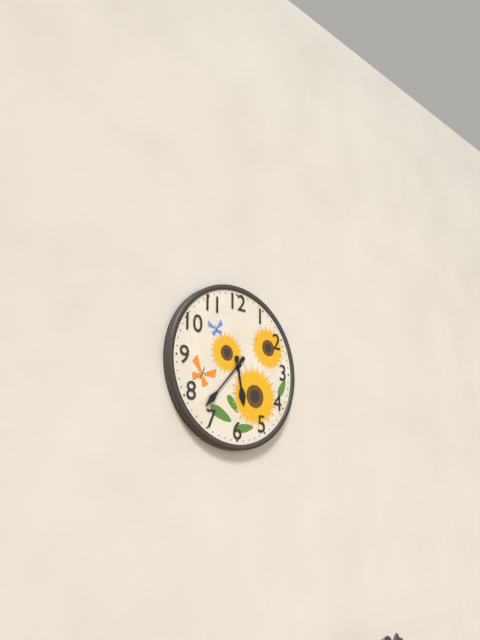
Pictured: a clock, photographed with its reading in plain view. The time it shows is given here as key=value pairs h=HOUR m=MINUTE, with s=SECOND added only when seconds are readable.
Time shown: h=5 m=37
